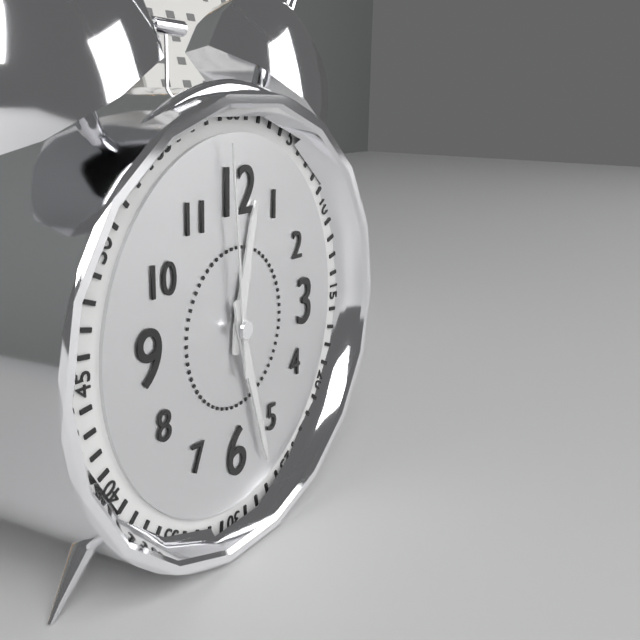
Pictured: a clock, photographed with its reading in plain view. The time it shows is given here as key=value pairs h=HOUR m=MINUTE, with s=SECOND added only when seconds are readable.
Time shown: h=12 m=27 s=59
